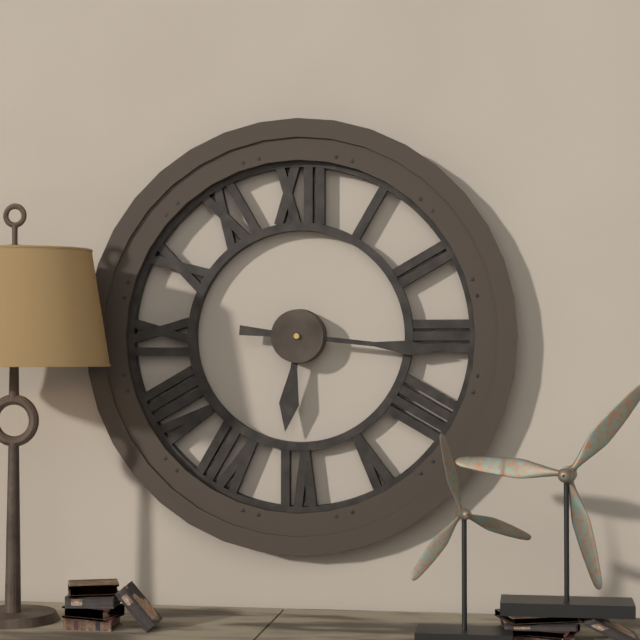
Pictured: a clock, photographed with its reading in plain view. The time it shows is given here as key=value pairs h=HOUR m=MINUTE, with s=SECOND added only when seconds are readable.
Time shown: h=6 m=16
